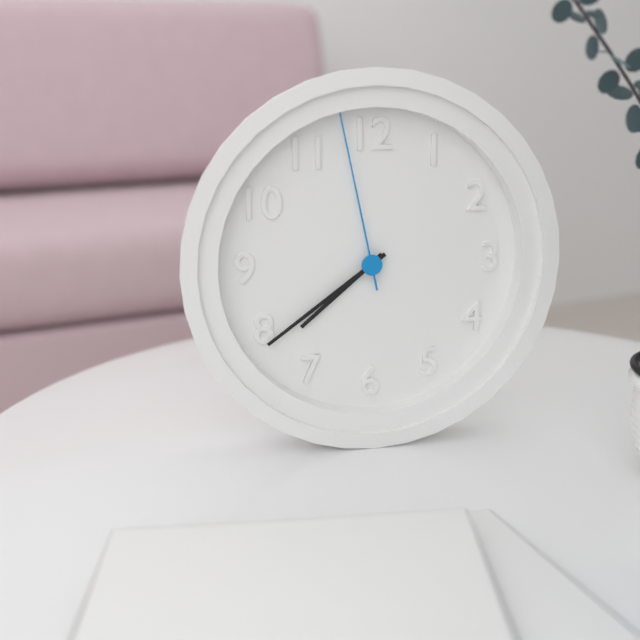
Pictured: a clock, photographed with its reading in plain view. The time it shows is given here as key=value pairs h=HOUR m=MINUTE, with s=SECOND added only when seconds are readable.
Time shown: h=7 m=39 s=58
